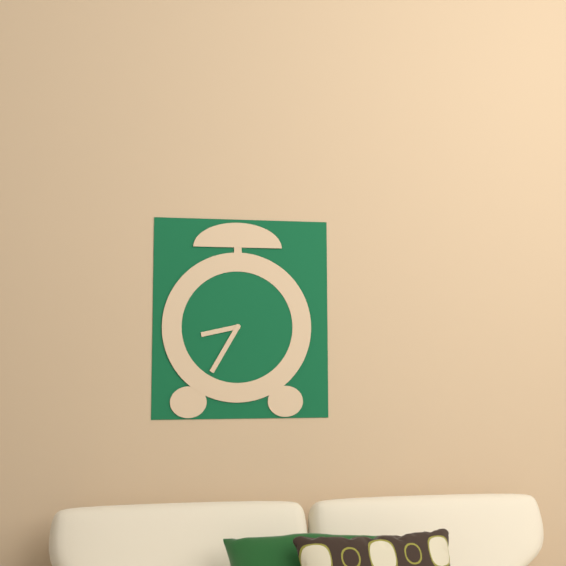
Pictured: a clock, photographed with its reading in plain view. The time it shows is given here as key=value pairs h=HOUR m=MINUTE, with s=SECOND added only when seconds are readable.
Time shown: h=8 m=35
